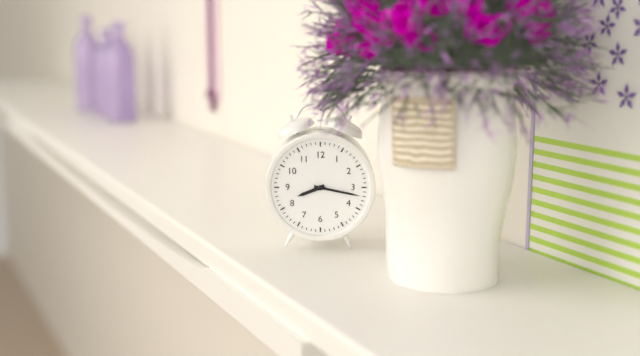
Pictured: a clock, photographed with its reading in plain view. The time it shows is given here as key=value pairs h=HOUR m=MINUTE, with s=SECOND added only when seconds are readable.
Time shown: h=8 m=17
